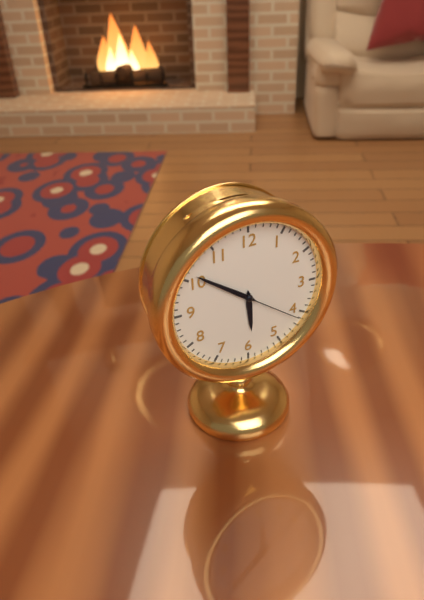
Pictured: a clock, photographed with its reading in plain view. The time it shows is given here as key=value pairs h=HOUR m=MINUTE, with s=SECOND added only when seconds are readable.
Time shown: h=5 m=51 s=21
